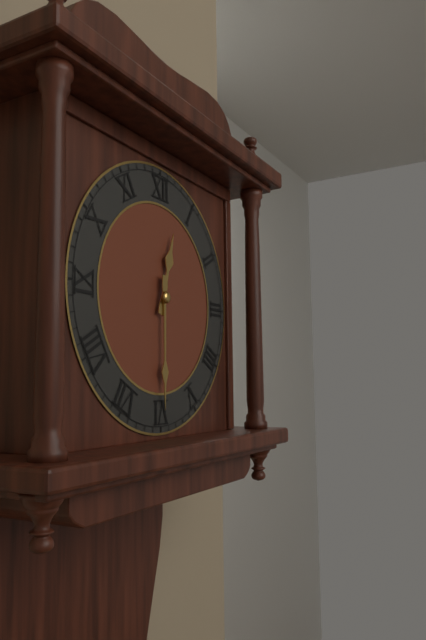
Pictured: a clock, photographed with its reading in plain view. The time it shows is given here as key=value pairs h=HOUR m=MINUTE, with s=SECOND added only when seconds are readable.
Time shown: h=12 m=30
